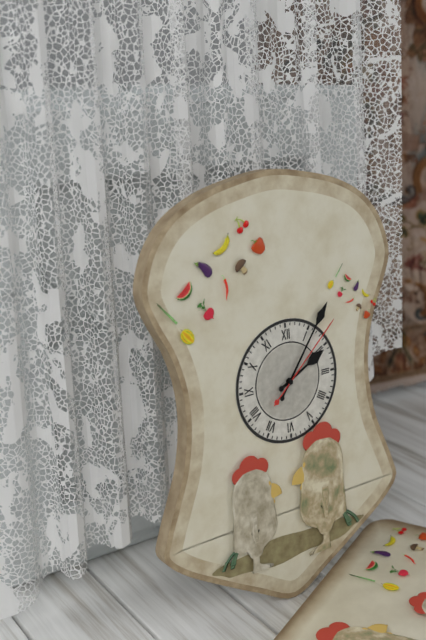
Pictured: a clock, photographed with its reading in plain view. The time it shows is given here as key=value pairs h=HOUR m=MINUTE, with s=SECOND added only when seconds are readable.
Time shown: h=2 m=6 s=8
